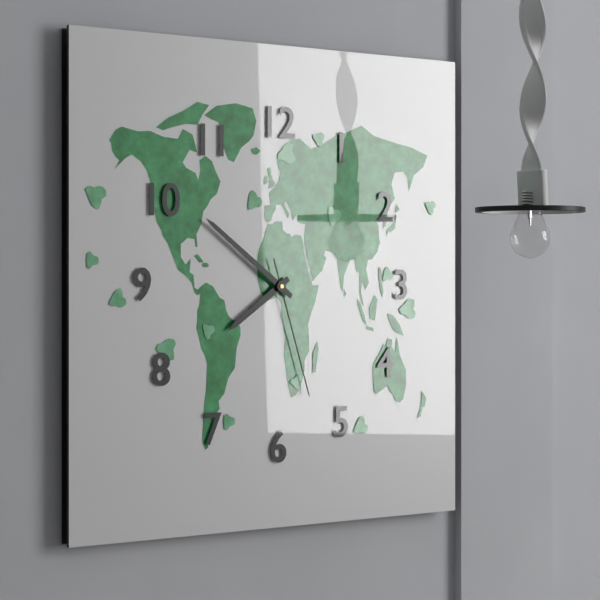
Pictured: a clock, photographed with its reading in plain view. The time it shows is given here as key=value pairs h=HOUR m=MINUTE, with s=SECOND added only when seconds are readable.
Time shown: h=7 m=51 s=27
